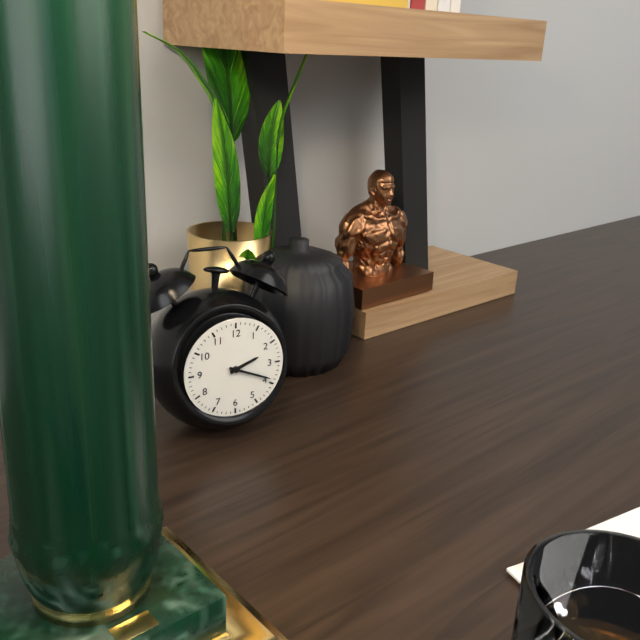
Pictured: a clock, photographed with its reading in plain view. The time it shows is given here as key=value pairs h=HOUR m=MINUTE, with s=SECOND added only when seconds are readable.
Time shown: h=2 m=19
